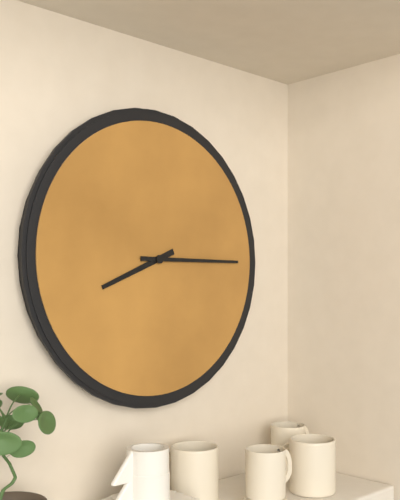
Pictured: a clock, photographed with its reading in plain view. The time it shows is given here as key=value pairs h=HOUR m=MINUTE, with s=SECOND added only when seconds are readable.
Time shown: h=8 m=15
